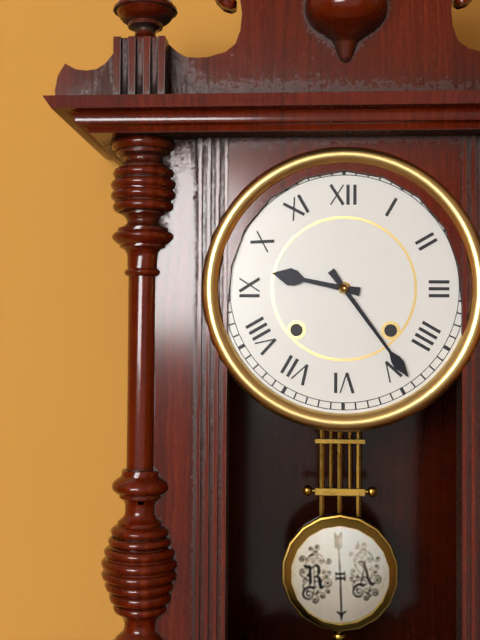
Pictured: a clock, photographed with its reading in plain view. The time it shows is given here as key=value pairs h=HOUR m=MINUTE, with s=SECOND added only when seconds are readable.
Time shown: h=9 m=24
